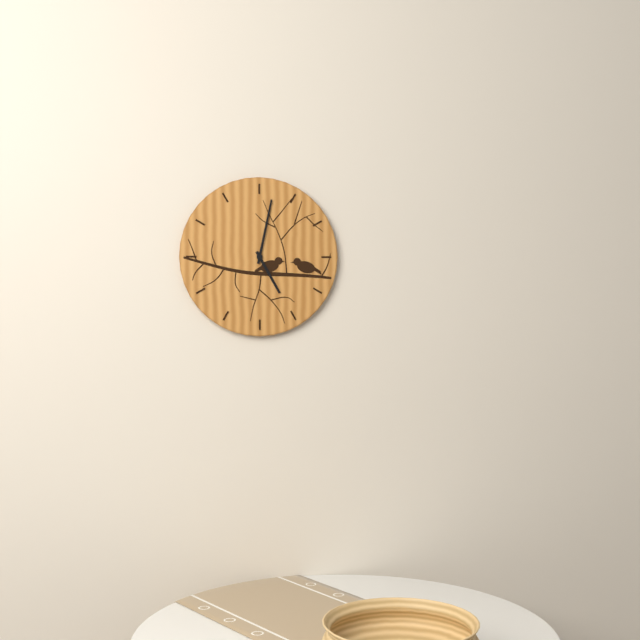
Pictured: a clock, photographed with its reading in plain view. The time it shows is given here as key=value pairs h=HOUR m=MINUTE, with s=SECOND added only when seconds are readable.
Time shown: h=5 m=2
